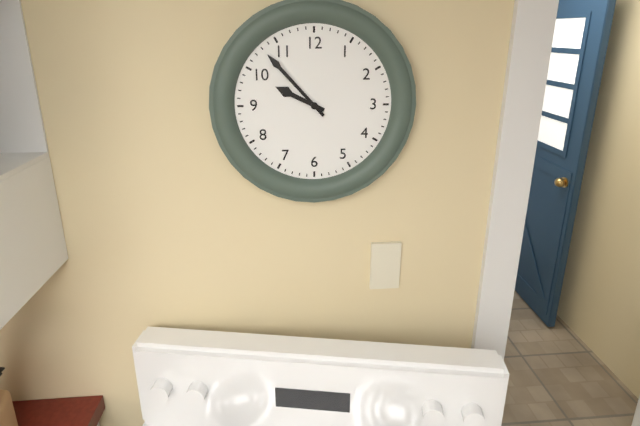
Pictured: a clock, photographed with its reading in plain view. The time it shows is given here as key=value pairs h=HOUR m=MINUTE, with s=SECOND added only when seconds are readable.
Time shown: h=9 m=53
